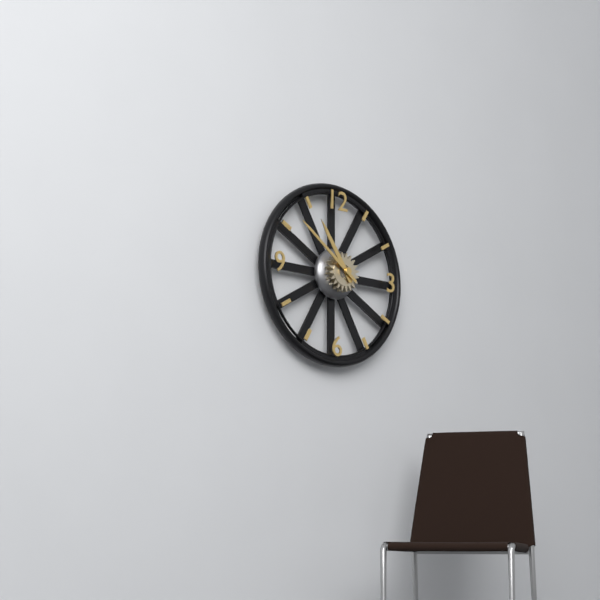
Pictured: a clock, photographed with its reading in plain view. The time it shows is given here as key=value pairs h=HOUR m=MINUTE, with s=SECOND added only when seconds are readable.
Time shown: h=10 m=51
